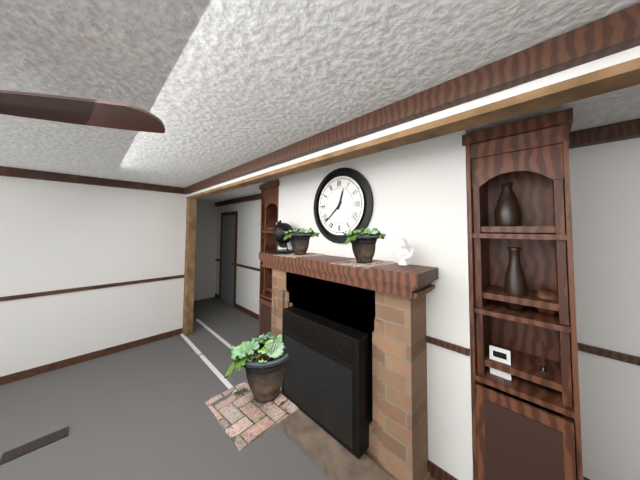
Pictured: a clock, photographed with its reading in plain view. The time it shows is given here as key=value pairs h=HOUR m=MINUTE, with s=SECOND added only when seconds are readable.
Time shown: h=12 m=38
